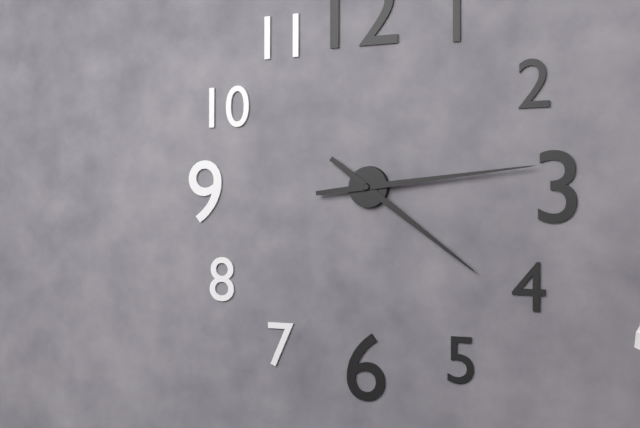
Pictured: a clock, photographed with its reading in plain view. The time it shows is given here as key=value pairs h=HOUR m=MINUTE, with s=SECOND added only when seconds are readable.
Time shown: h=4 m=14
